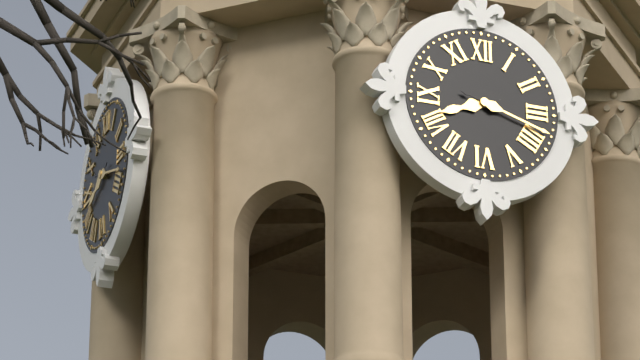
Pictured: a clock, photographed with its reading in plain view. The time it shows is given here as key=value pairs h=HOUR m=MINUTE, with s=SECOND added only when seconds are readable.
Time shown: h=8 m=18
